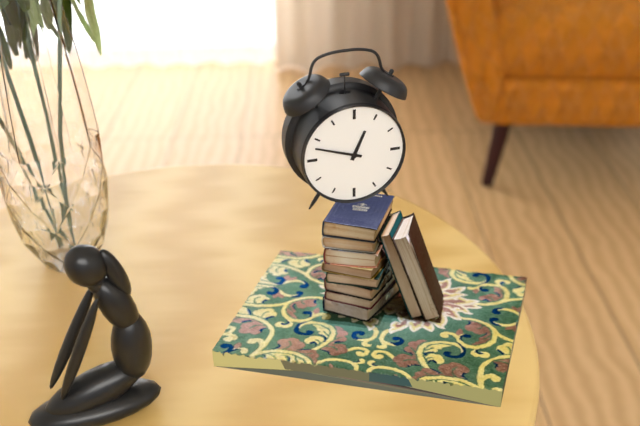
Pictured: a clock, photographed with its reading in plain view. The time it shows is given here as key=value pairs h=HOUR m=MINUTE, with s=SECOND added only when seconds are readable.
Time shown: h=12 m=48
